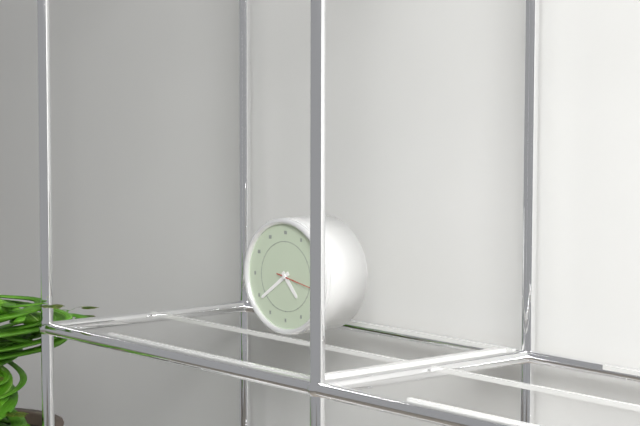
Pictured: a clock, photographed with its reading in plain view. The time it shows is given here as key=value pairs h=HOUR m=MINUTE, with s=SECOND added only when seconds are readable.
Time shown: h=4 m=39
